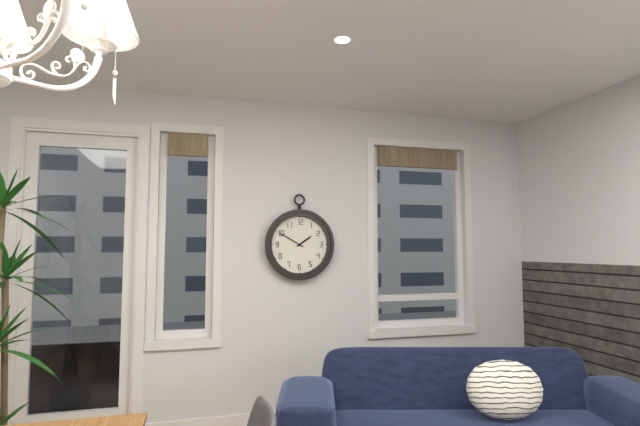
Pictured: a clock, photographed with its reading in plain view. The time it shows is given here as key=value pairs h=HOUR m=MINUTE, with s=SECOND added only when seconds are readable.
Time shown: h=1 m=50
